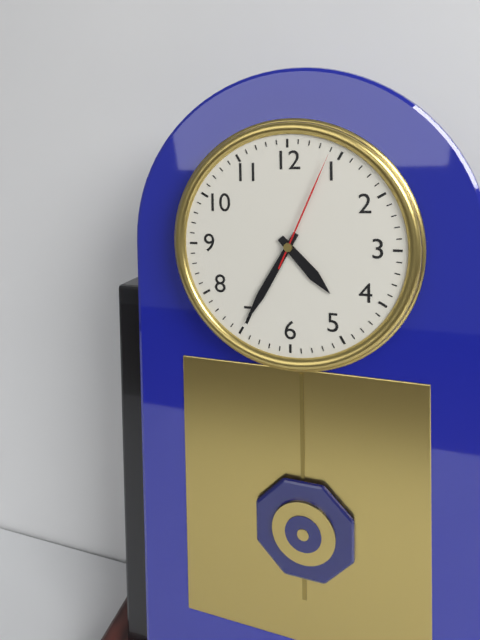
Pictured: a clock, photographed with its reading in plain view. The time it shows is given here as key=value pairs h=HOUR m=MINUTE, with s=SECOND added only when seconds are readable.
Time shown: h=4 m=35 s=4
